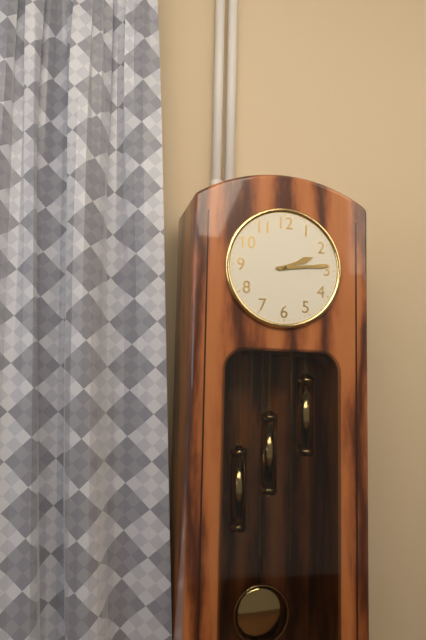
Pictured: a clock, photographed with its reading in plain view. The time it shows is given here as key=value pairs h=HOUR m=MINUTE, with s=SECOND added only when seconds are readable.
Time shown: h=2 m=14
